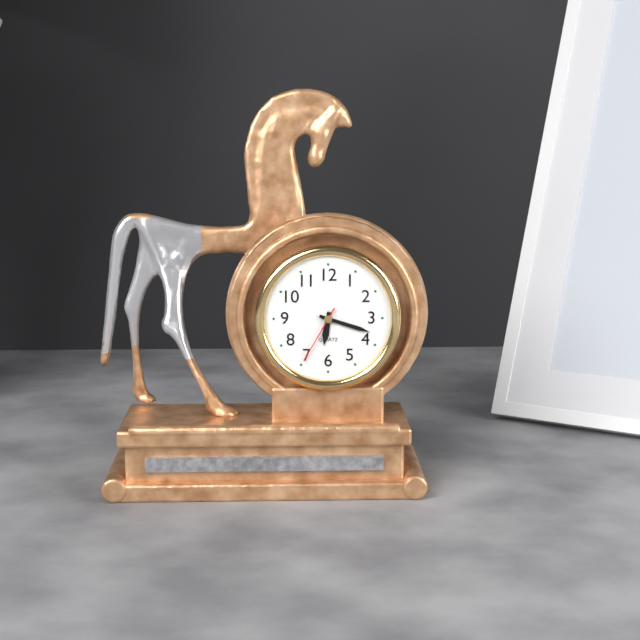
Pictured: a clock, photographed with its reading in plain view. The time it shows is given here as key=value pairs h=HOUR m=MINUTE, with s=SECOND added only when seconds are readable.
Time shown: h=6 m=18 s=35
